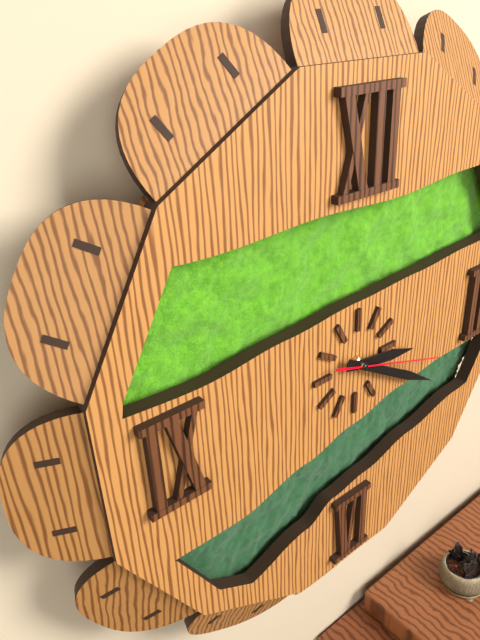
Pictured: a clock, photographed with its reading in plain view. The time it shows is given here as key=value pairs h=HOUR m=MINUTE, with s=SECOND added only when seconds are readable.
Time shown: h=3 m=20 s=18
